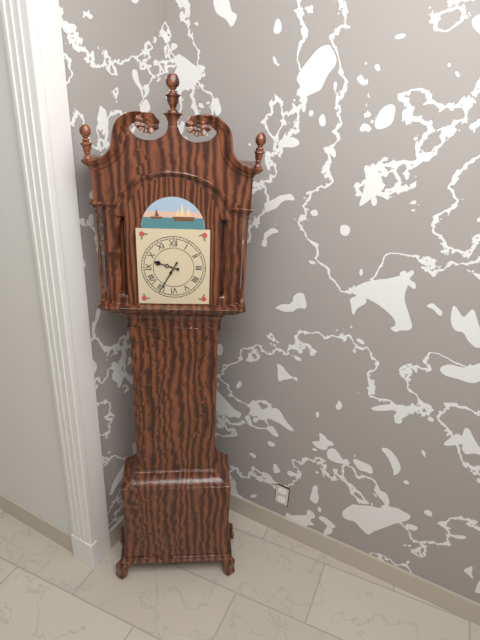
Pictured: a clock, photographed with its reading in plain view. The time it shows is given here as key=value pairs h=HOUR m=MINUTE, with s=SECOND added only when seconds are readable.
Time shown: h=9 m=35
